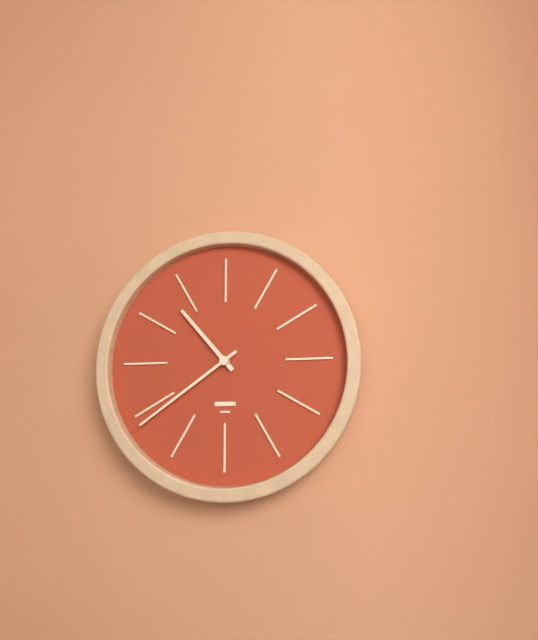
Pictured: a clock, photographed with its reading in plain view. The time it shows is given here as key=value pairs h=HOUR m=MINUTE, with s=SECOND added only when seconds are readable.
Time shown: h=10 m=39
